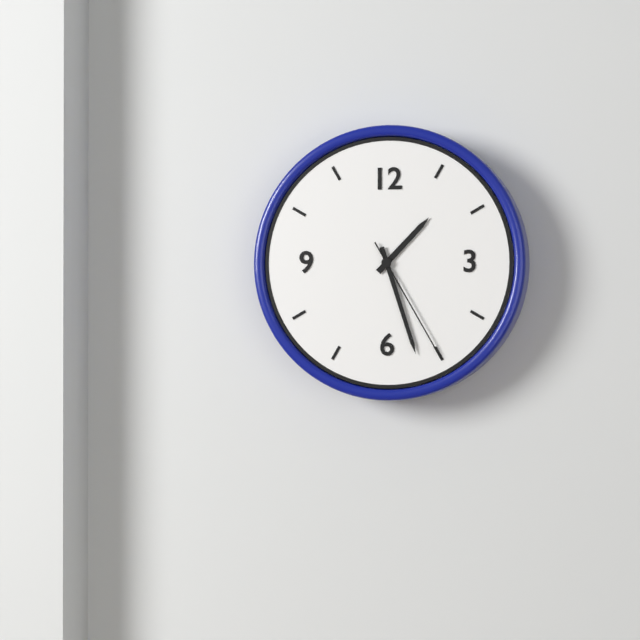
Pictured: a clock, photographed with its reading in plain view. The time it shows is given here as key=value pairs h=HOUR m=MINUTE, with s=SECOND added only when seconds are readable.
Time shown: h=1 m=27 s=25
